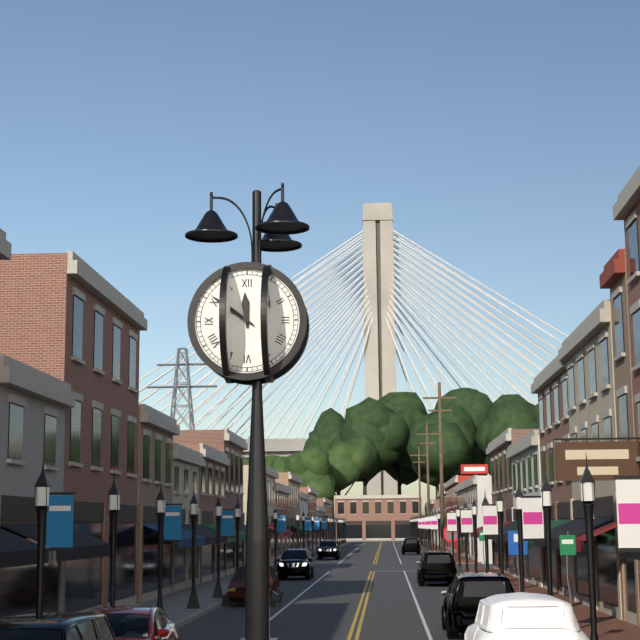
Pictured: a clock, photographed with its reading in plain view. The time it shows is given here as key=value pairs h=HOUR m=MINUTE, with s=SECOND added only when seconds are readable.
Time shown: h=11 m=51
